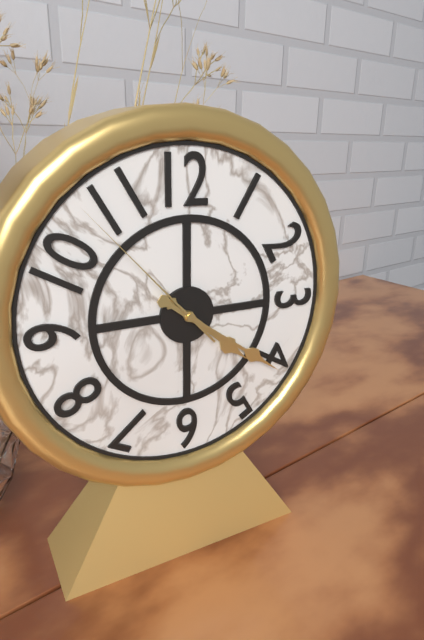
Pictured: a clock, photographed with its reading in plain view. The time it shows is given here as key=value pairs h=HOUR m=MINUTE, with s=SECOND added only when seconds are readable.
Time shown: h=4 m=21 s=53
